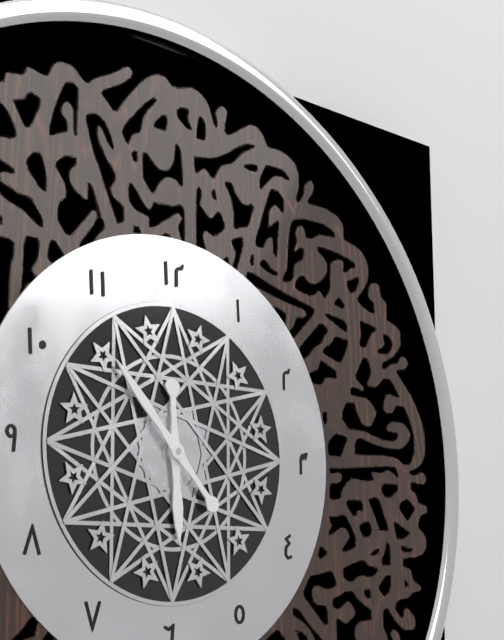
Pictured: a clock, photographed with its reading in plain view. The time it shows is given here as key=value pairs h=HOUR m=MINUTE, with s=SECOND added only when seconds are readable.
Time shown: h=5 m=53
